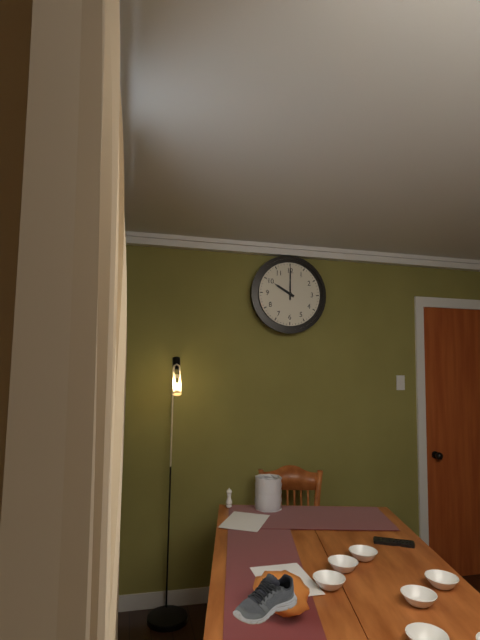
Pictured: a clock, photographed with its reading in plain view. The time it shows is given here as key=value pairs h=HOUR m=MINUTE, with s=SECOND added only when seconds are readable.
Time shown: h=10 m=0
